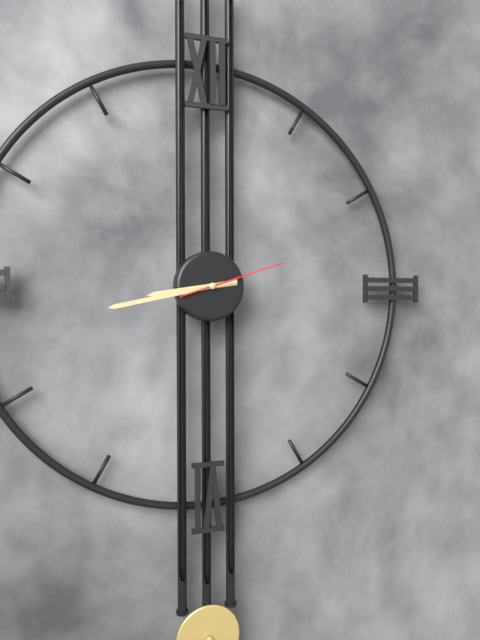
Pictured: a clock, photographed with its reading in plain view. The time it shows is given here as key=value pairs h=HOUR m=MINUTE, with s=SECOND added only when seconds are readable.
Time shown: h=8 m=43 s=12
